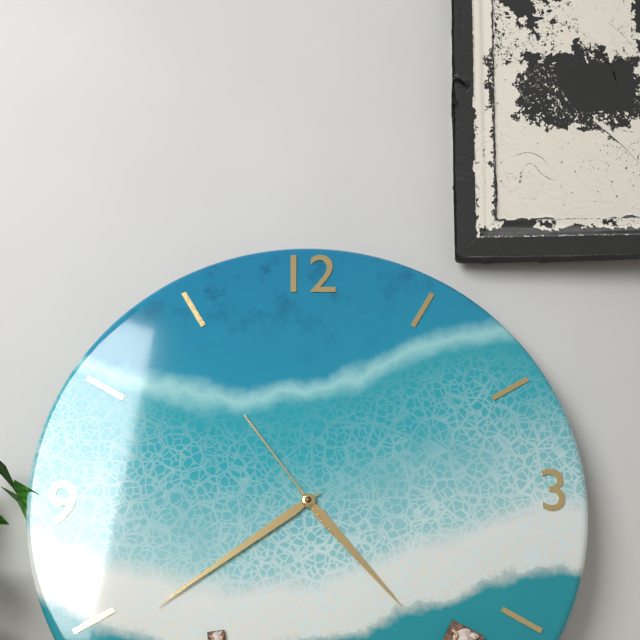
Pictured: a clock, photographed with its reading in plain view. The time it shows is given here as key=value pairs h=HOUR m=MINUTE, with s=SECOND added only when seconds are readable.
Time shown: h=4 m=39 s=54
